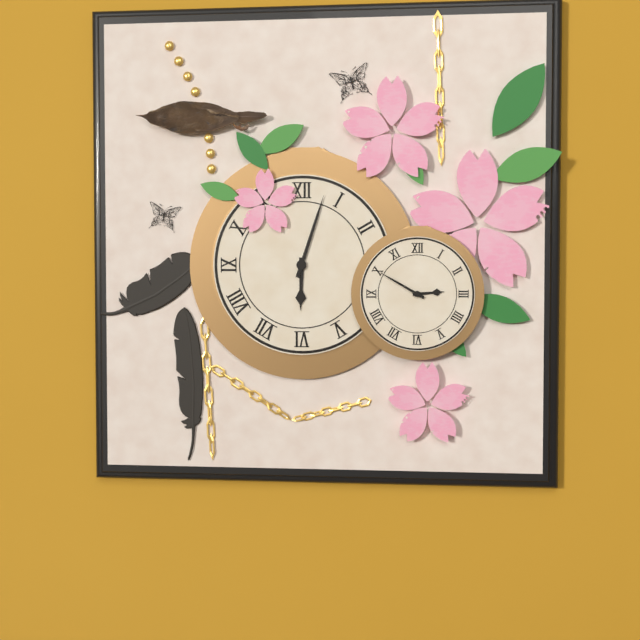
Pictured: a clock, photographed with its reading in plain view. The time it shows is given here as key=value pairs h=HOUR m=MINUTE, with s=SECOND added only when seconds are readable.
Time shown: h=6 m=3
